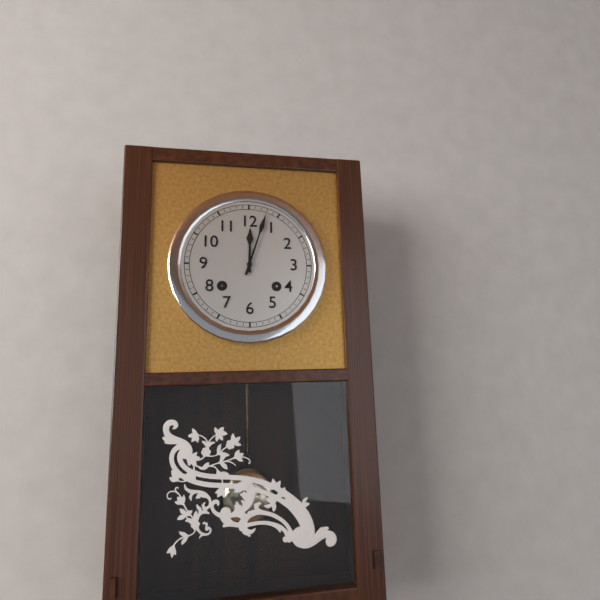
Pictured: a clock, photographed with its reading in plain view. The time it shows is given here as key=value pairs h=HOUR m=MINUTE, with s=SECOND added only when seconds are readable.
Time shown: h=12 m=3
